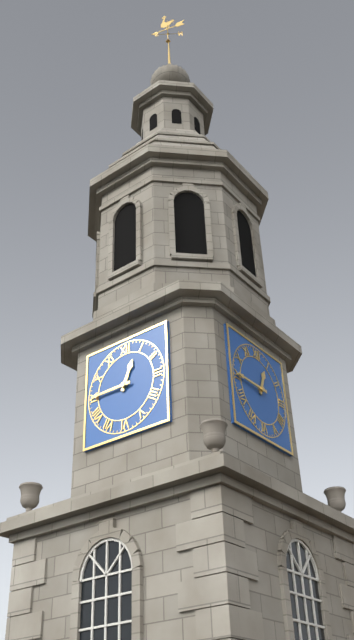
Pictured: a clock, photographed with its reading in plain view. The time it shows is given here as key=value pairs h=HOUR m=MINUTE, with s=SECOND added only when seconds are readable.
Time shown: h=12 m=45
